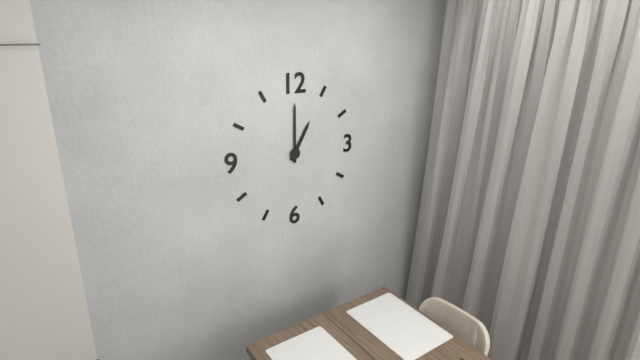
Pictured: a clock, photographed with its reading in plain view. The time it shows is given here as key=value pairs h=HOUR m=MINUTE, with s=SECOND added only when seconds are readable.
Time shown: h=1 m=0
